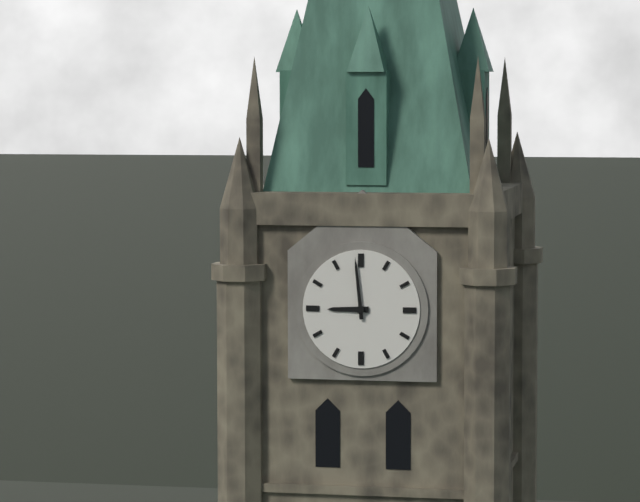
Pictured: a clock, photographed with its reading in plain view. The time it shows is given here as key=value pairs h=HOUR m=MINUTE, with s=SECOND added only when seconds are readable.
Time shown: h=8 m=59
